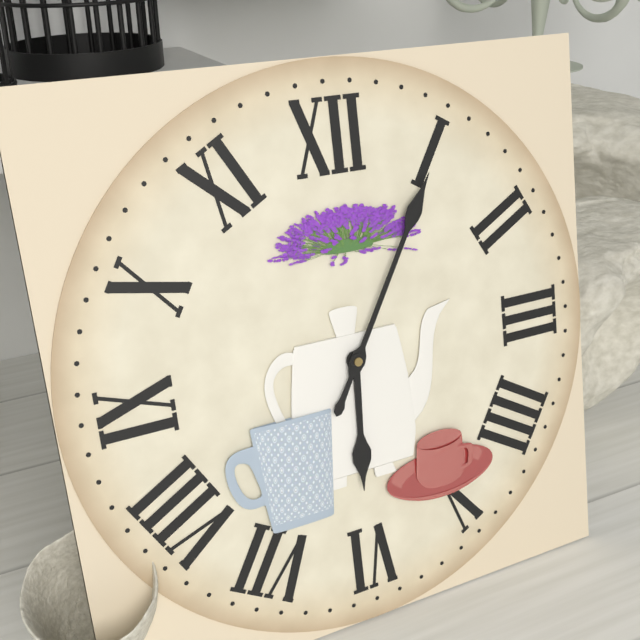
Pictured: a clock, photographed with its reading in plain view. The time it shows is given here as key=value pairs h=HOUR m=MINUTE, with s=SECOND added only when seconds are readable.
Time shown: h=6 m=5
